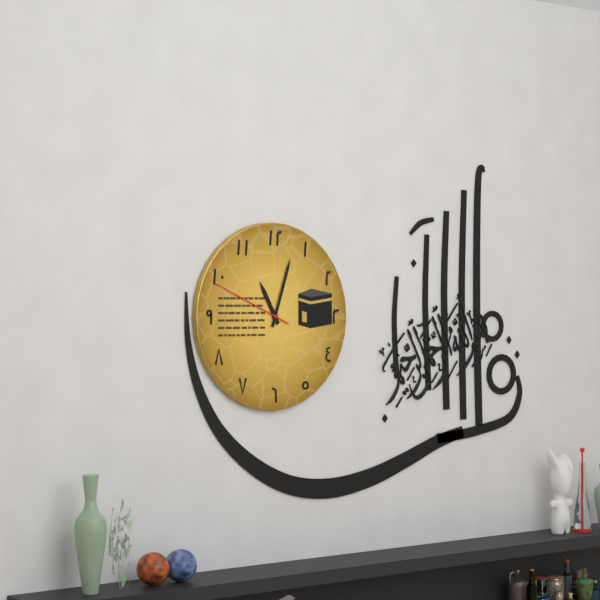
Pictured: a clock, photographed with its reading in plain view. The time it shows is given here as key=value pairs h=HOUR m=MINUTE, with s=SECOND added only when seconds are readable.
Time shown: h=11 m=3 s=49
